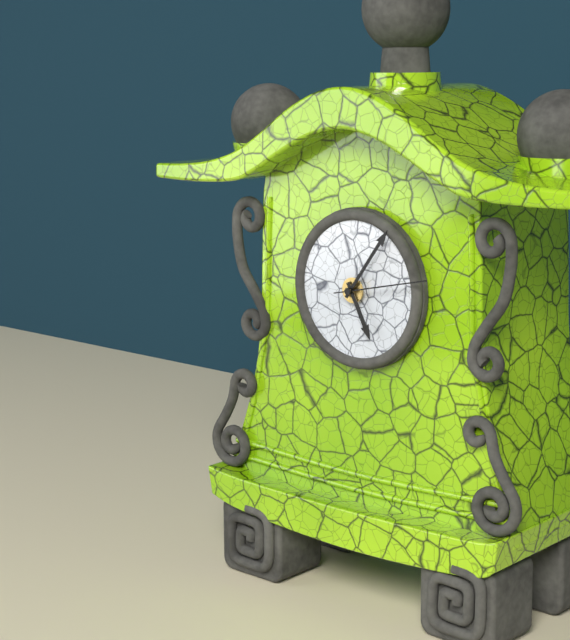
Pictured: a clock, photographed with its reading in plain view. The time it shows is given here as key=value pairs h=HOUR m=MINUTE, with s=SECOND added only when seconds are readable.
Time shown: h=5 m=6 s=13
